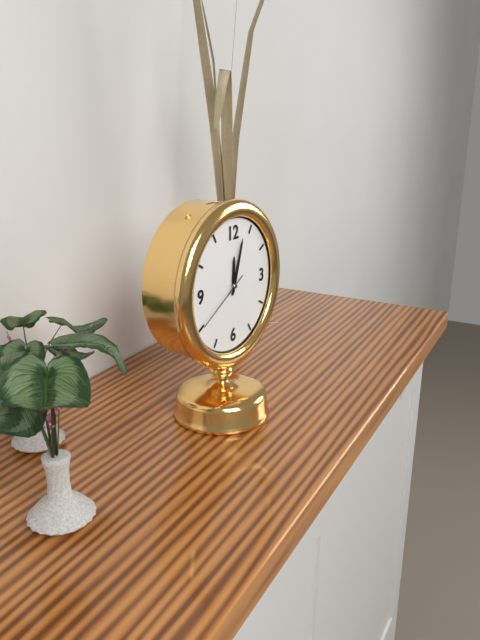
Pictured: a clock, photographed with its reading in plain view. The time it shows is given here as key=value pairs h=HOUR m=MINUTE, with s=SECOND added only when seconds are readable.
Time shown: h=12 m=3 s=40
